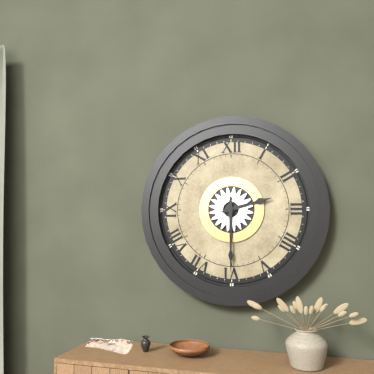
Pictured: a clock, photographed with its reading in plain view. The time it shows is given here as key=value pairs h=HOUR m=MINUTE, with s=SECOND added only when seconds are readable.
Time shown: h=2 m=30
